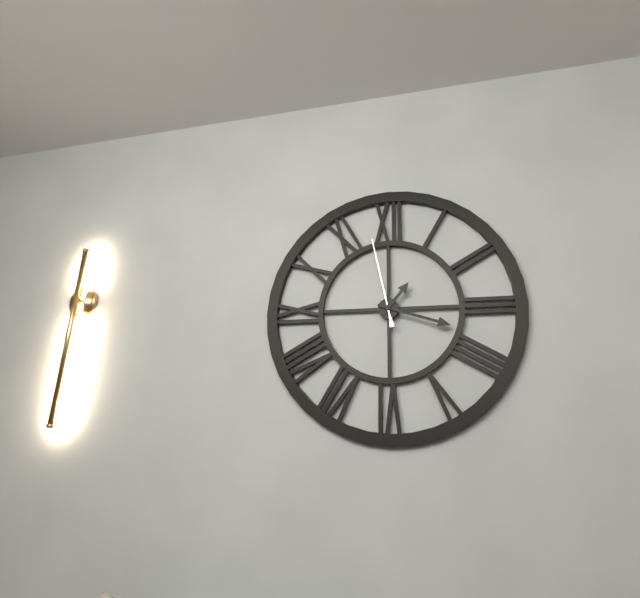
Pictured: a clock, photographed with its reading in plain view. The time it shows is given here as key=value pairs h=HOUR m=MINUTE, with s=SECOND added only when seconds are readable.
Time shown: h=1 m=18 s=58
